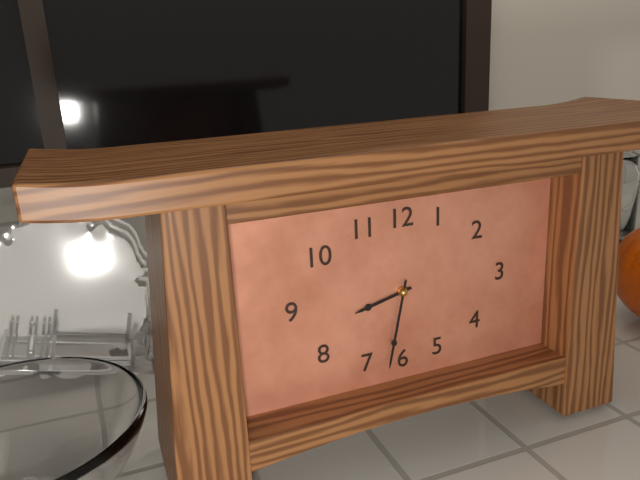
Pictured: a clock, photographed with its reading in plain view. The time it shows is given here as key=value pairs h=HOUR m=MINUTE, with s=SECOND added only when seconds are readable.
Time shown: h=8 m=32
